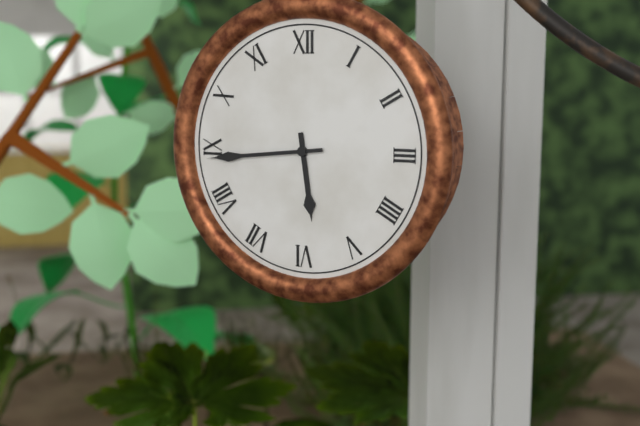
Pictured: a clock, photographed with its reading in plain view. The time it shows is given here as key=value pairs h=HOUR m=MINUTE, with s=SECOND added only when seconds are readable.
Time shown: h=5 m=44
